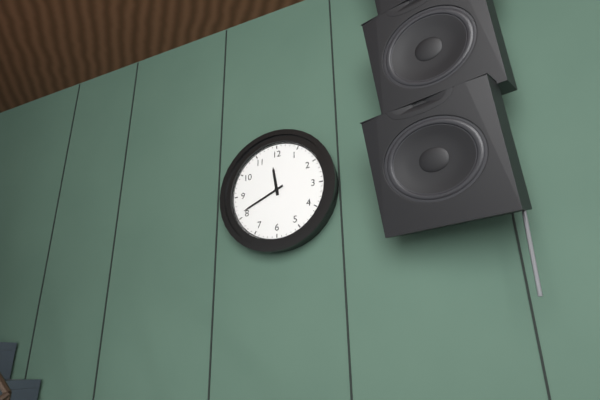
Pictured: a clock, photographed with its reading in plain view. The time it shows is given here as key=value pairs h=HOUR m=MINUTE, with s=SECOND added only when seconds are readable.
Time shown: h=11 m=41
